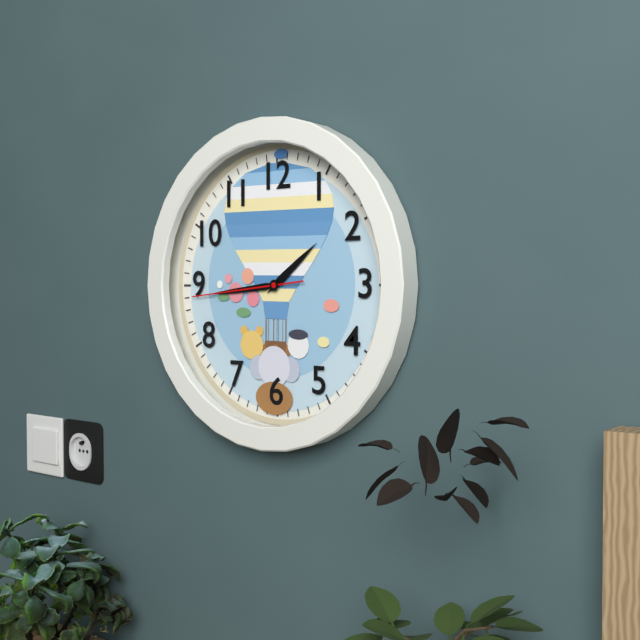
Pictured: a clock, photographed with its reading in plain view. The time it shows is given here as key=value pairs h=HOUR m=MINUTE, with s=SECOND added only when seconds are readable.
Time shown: h=1 m=44 s=44
